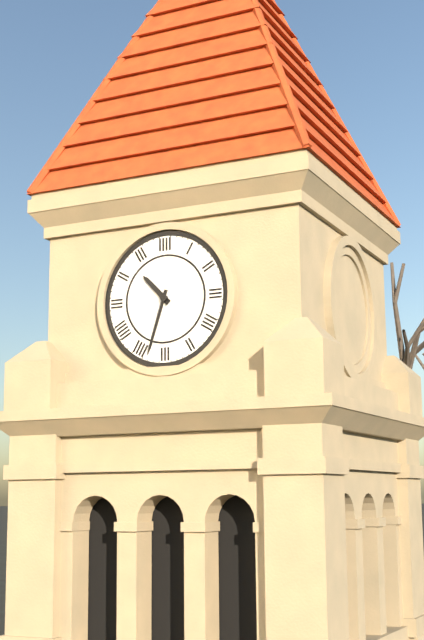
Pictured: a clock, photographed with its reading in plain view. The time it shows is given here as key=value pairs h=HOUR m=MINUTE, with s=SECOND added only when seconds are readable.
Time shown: h=10 m=33
